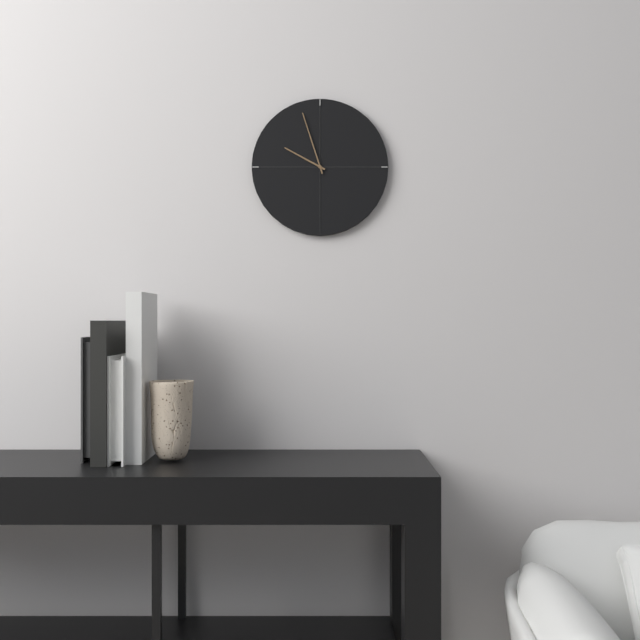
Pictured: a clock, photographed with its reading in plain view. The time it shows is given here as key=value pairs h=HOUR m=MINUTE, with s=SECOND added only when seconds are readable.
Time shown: h=9 m=57
